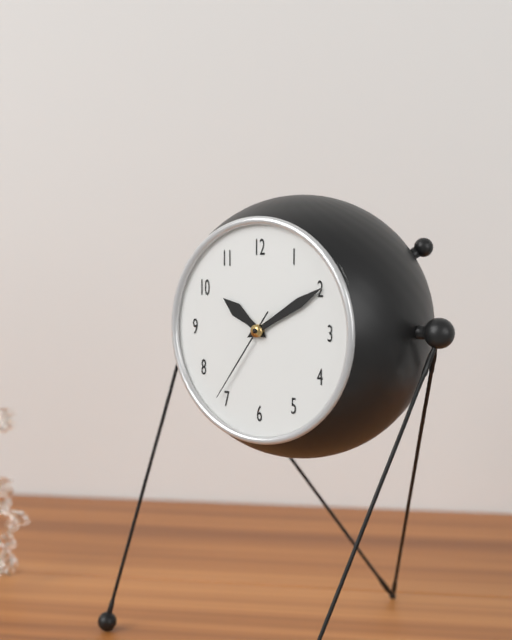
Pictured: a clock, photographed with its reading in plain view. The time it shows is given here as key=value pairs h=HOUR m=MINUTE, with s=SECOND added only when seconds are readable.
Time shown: h=10 m=10 s=36
